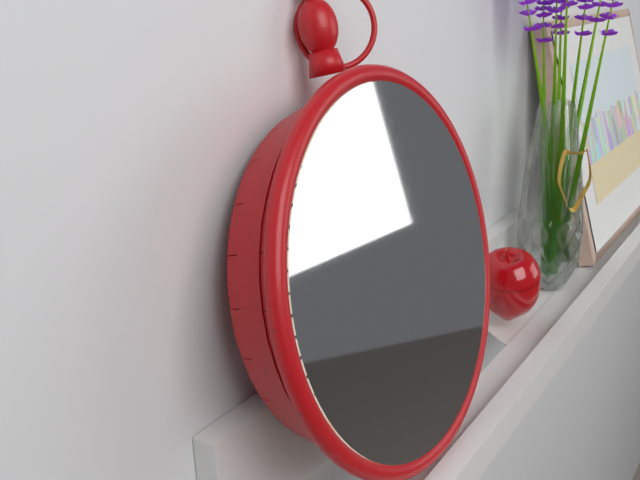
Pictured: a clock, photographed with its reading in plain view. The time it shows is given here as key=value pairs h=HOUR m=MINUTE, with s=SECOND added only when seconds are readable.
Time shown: h=9 m=22
